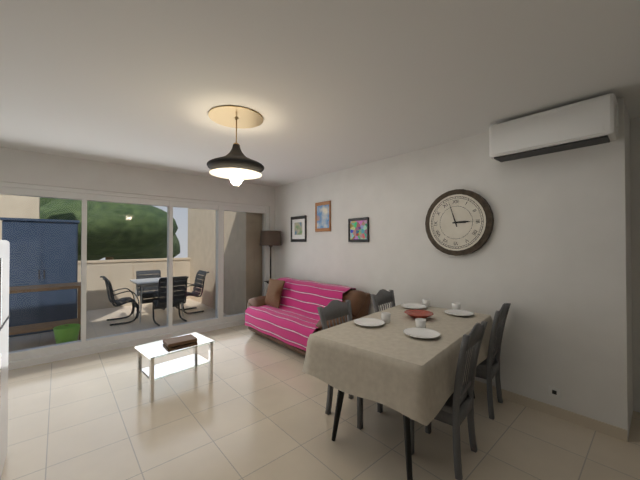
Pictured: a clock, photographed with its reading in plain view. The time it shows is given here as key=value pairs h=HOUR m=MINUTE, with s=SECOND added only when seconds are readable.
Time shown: h=2 m=57
